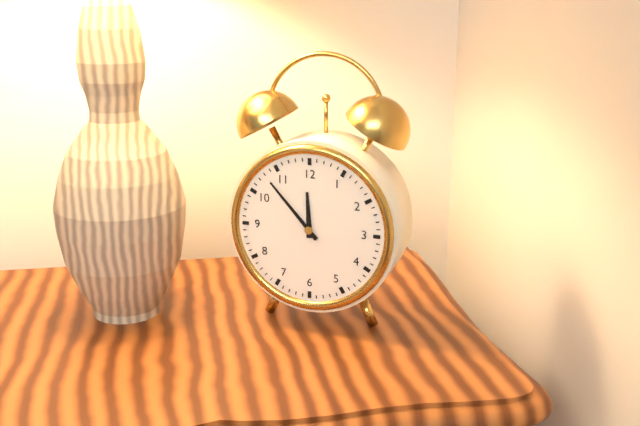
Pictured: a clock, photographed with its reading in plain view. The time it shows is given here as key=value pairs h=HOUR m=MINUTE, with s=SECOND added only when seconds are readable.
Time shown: h=11 m=53
